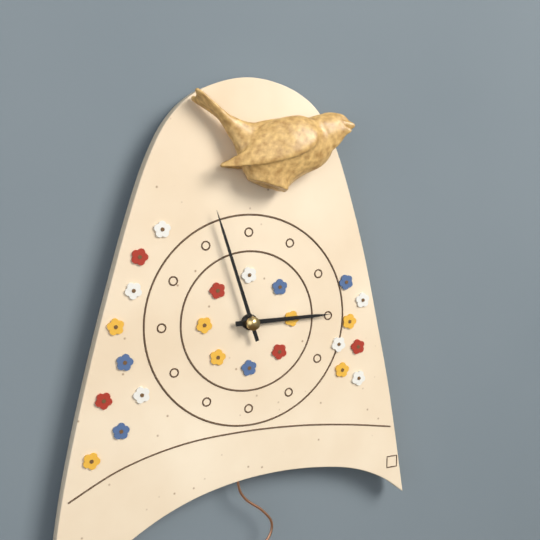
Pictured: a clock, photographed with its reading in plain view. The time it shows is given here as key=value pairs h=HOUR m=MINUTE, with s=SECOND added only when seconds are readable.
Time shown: h=2 m=57
